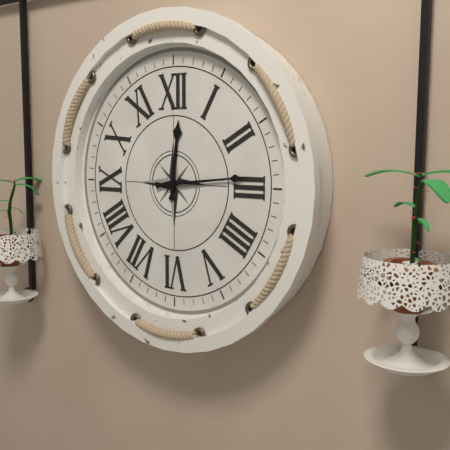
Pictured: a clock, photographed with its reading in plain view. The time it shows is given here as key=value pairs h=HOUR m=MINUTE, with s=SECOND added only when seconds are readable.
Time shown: h=12 m=14
